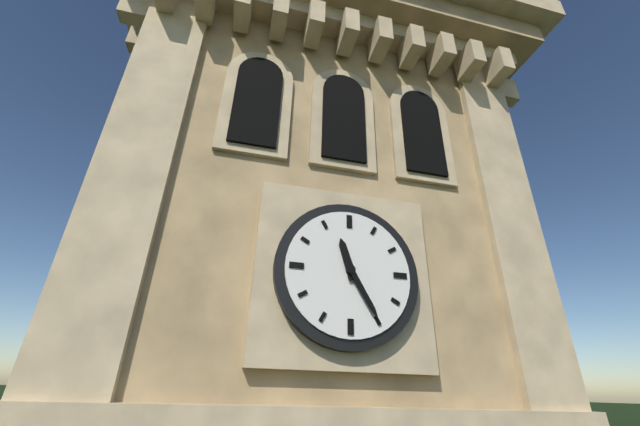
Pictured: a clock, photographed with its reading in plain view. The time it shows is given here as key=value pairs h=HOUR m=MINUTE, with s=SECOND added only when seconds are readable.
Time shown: h=11 m=25
